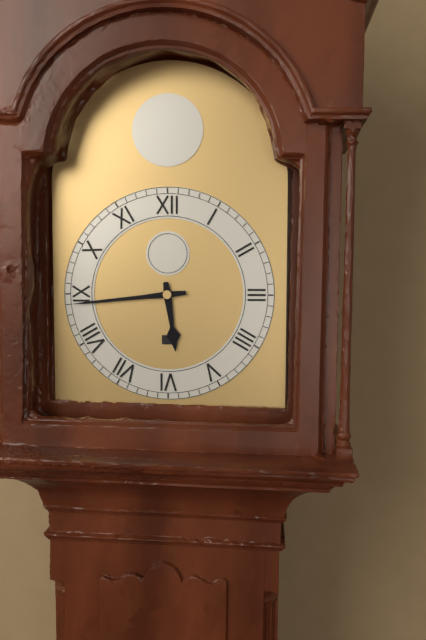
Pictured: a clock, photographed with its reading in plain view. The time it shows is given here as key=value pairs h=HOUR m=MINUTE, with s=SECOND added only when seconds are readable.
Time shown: h=5 m=44
